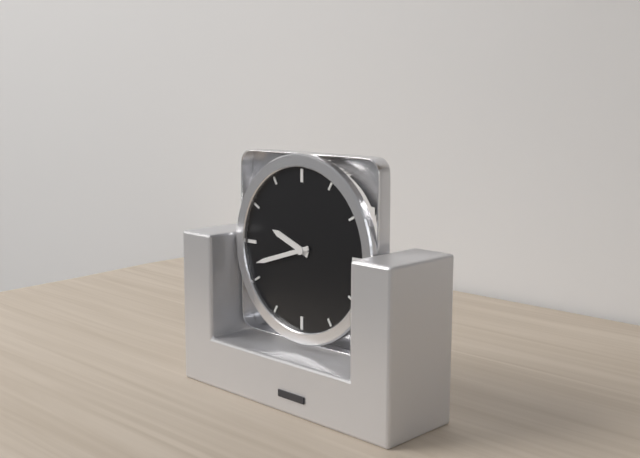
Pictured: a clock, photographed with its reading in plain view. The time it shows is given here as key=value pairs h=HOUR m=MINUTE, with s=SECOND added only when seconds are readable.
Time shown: h=9 m=42
